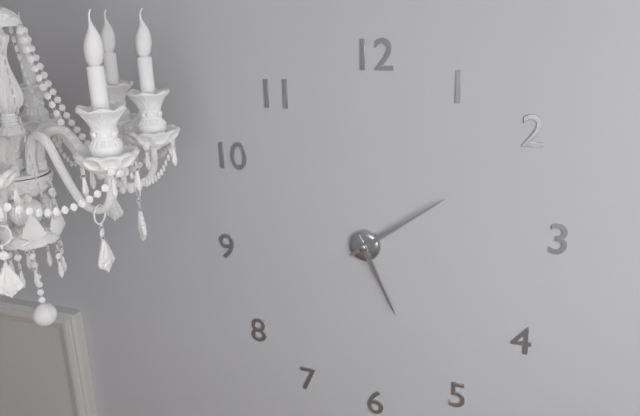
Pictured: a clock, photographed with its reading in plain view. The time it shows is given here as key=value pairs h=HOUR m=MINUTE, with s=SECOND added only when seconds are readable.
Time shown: h=5 m=9
